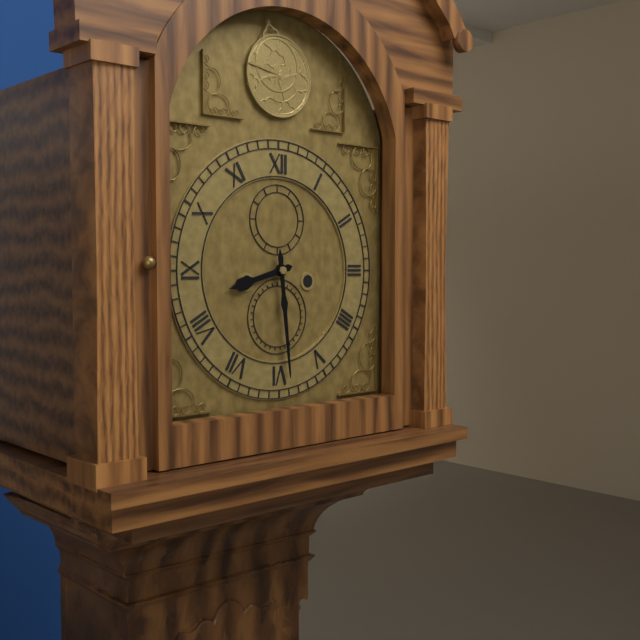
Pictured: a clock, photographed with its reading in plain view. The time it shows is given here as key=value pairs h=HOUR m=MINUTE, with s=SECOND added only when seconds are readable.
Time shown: h=8 m=29
